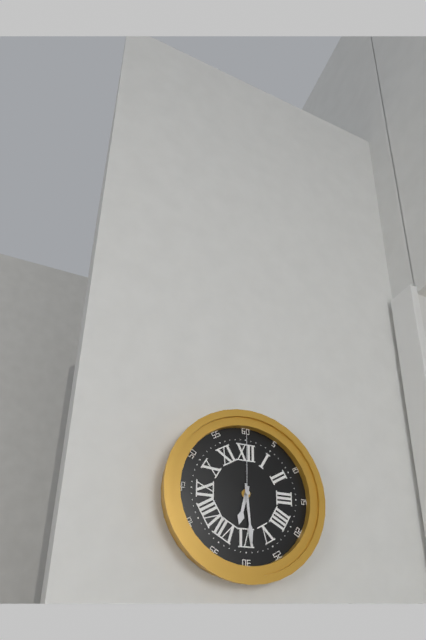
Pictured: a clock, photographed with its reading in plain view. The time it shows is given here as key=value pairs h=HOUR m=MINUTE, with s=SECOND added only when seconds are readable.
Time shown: h=6 m=29 s=0
